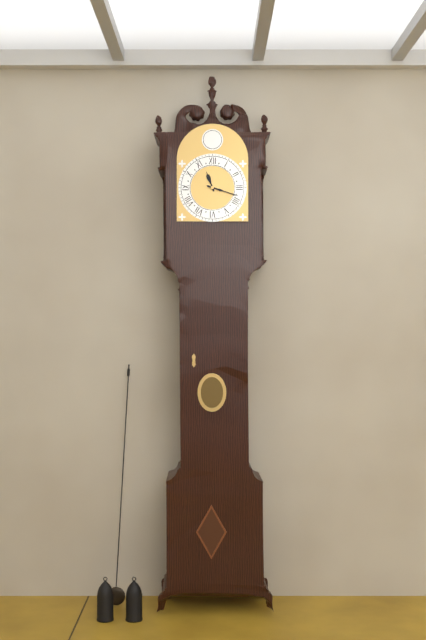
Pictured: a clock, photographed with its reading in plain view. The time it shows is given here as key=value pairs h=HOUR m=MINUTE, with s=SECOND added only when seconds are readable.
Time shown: h=11 m=18
